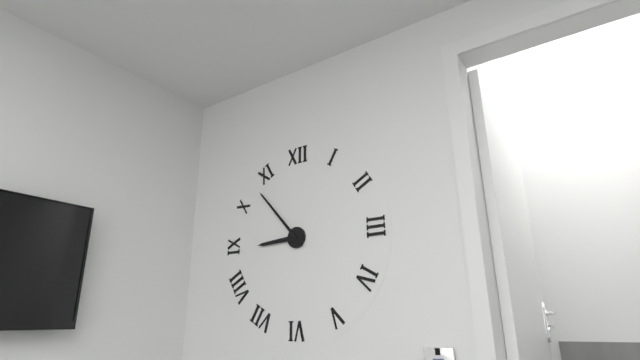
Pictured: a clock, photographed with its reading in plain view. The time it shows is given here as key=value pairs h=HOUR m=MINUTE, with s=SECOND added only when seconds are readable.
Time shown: h=8 m=53
